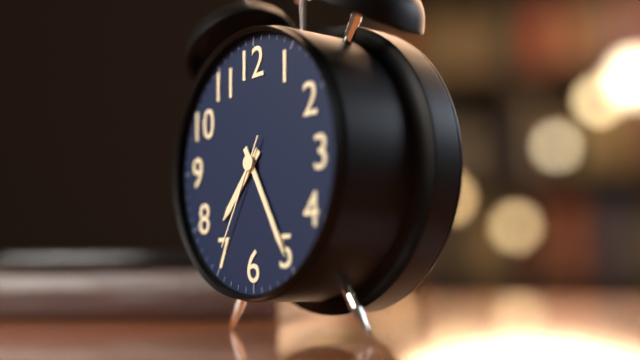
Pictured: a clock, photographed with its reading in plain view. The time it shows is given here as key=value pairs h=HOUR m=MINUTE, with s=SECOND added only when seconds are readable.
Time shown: h=7 m=25 s=35
